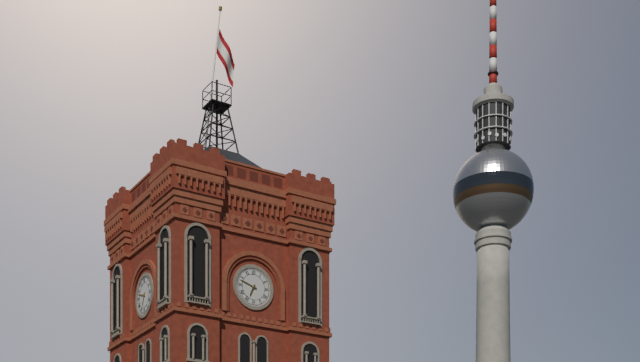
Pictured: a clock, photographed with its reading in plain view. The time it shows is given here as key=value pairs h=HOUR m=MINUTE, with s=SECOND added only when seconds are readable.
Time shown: h=6 m=48
